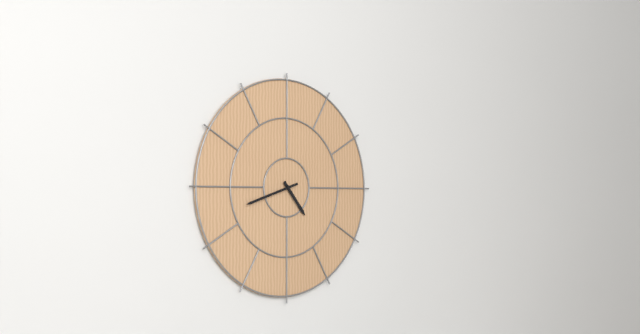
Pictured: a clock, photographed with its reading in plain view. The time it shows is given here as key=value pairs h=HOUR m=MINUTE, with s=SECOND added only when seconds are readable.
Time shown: h=4 m=42
